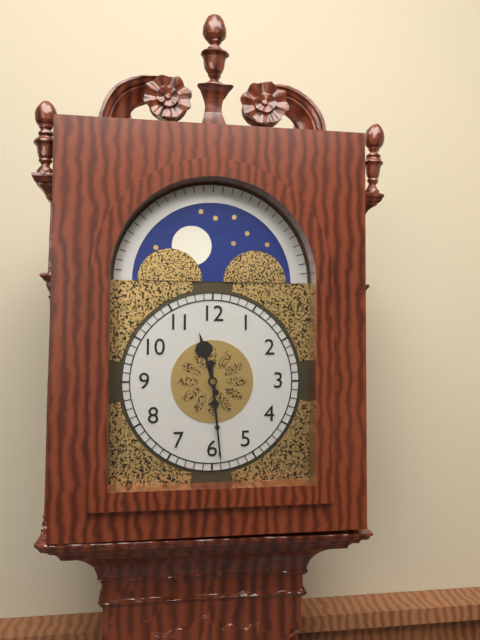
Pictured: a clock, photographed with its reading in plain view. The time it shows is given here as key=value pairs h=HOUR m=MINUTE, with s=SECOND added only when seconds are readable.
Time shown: h=11 m=29
